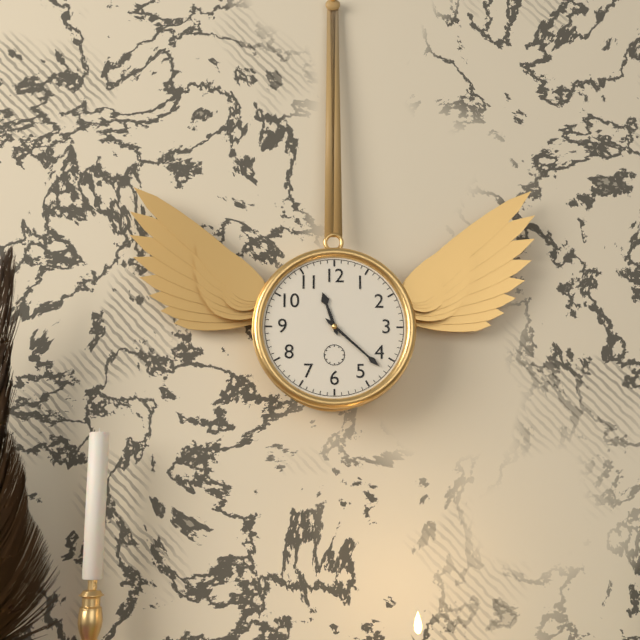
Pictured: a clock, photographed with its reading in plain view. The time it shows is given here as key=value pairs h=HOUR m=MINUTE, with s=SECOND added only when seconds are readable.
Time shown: h=11 m=22
